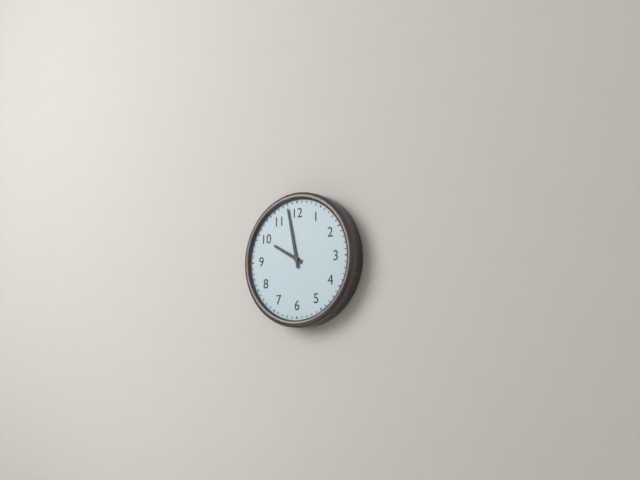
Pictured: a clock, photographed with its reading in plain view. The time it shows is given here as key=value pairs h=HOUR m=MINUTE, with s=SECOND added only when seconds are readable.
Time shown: h=9 m=58
